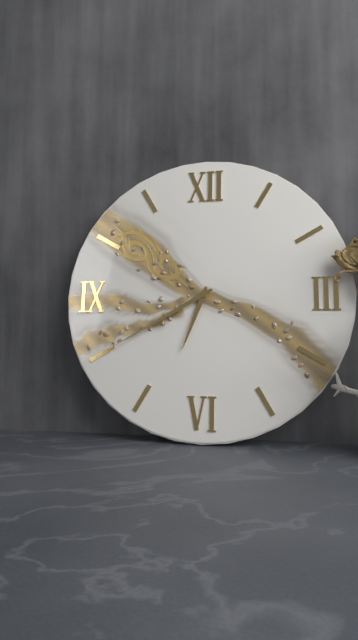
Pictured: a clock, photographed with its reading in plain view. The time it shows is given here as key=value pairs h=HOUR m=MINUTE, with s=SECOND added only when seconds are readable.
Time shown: h=6 m=40
